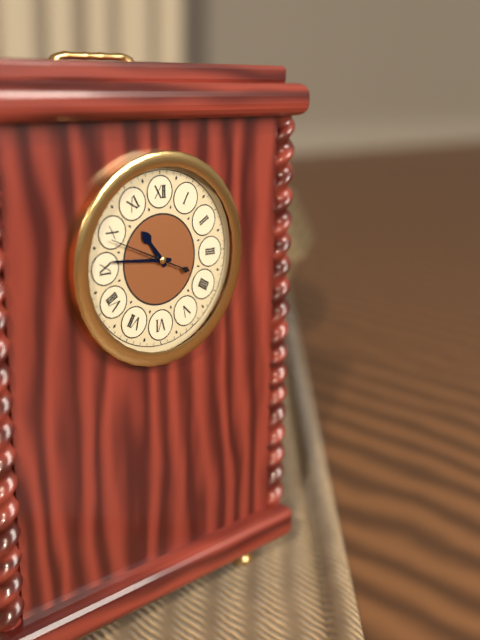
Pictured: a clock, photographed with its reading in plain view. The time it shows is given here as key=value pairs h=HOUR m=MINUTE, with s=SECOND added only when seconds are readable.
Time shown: h=10 m=46 s=49
